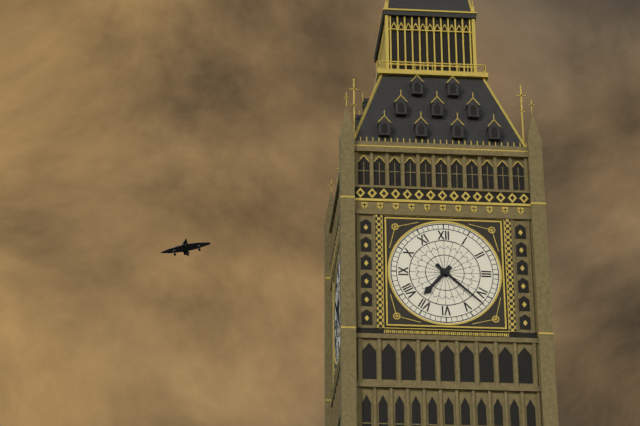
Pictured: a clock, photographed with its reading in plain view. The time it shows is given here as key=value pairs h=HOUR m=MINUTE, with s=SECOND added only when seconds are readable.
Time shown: h=7 m=22
